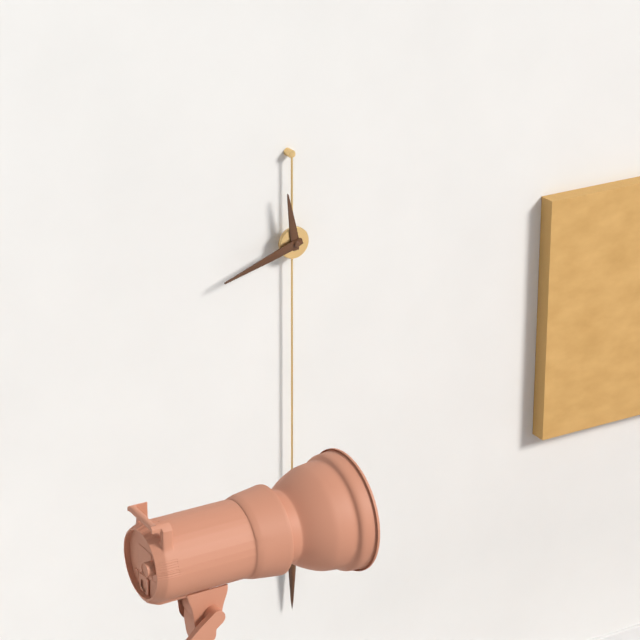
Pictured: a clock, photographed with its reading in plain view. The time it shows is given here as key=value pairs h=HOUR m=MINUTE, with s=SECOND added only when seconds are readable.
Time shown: h=11 m=42
